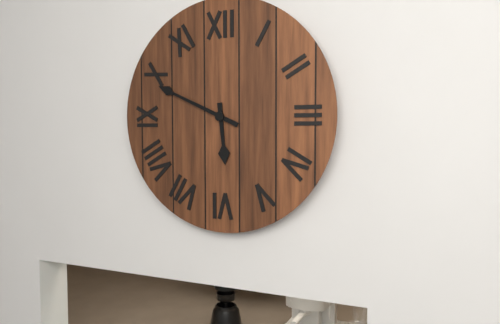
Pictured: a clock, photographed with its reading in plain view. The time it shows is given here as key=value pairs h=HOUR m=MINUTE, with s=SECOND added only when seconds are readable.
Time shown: h=5 m=49
